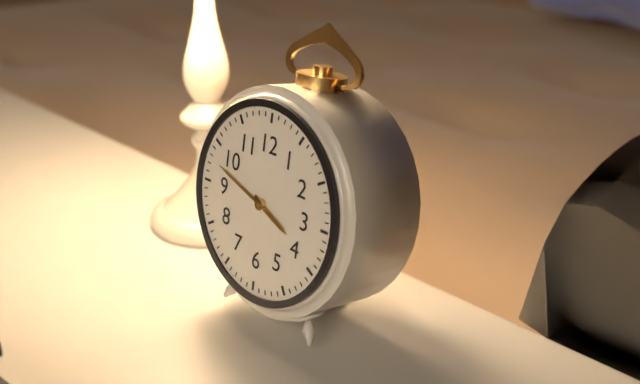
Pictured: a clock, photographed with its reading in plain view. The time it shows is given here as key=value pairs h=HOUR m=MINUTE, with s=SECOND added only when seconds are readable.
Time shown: h=3 m=48
